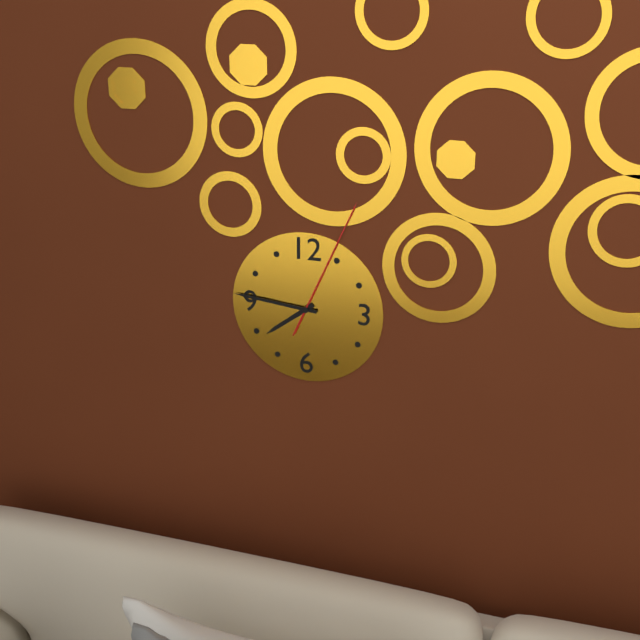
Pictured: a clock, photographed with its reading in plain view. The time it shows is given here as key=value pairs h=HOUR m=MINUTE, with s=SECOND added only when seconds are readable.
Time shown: h=7 m=46 s=4
